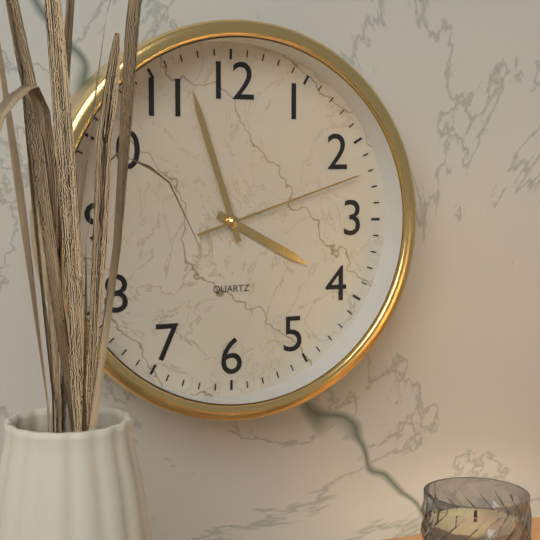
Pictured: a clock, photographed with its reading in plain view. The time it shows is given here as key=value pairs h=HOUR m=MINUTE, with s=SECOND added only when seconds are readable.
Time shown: h=3 m=57 s=12
